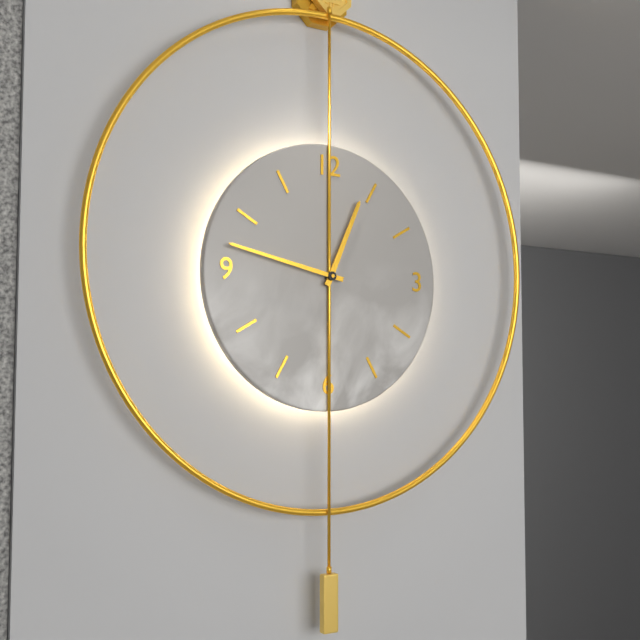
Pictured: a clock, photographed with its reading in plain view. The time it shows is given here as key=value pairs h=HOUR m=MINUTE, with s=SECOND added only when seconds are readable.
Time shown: h=12 m=47
